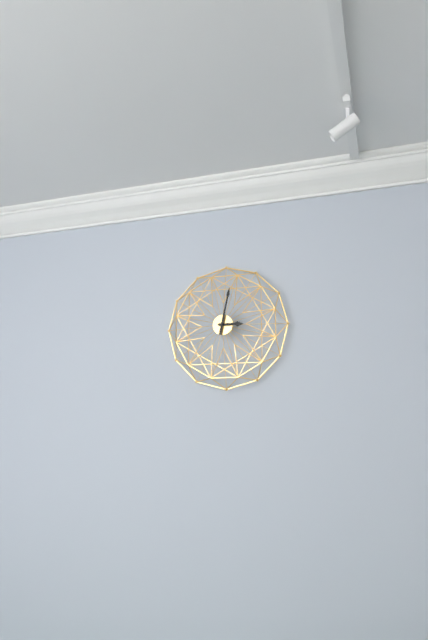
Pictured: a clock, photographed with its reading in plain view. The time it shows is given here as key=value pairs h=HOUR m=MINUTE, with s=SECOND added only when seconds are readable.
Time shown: h=3 m=2
